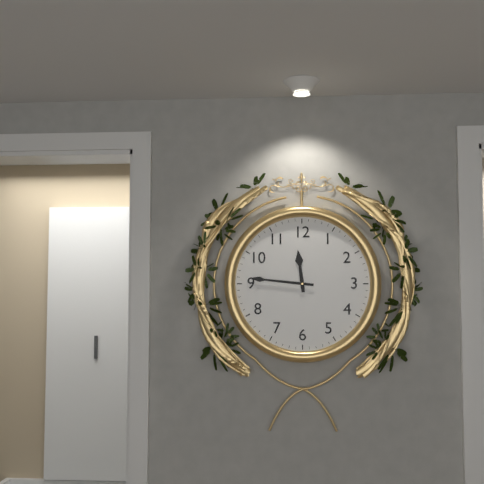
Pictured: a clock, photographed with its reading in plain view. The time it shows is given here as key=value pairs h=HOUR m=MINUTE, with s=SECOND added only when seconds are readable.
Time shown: h=11 m=46
